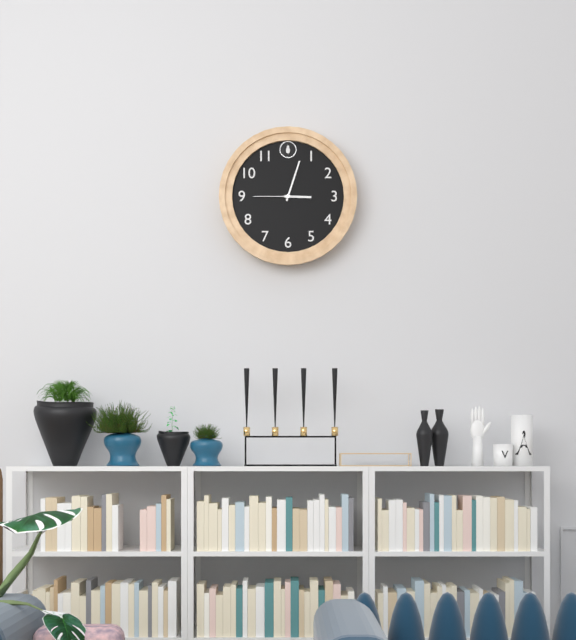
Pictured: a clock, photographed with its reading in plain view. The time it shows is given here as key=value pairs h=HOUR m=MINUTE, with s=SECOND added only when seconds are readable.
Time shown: h=3 m=3
